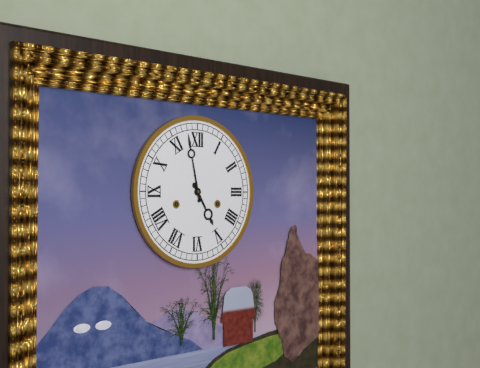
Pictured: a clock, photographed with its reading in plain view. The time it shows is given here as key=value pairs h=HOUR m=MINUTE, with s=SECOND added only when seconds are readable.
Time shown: h=4 m=58
